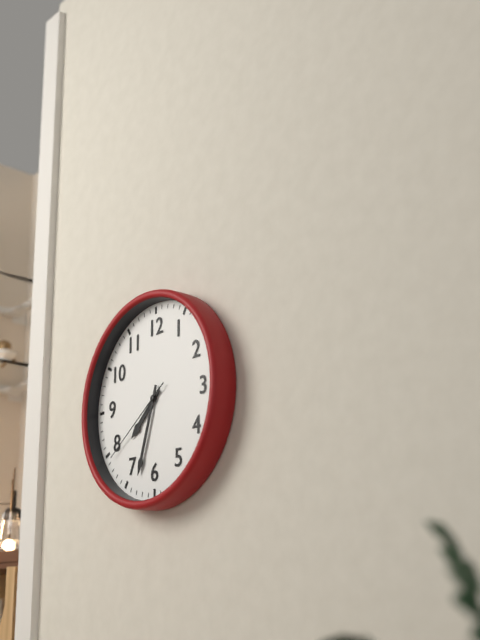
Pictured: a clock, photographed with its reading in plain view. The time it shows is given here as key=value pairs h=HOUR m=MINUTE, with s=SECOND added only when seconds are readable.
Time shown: h=7 m=33 s=39
